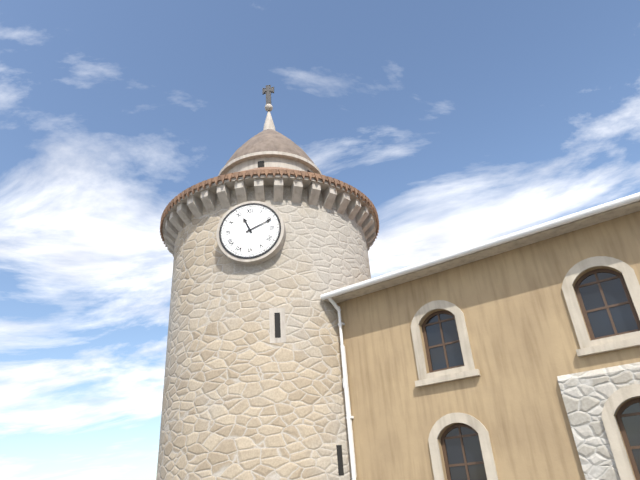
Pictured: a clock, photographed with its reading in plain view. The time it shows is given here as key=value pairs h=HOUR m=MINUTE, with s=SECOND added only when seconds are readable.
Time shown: h=11 m=11
